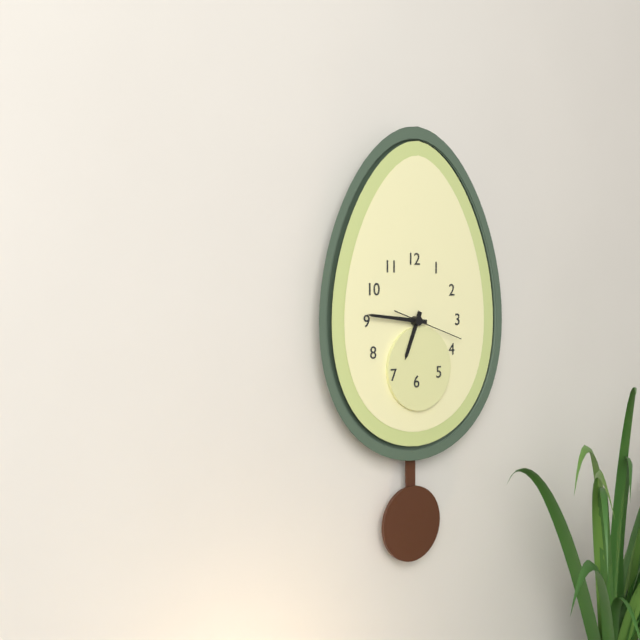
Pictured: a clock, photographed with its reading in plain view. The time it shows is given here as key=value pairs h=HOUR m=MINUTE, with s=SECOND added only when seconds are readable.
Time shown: h=6 m=46 s=18
